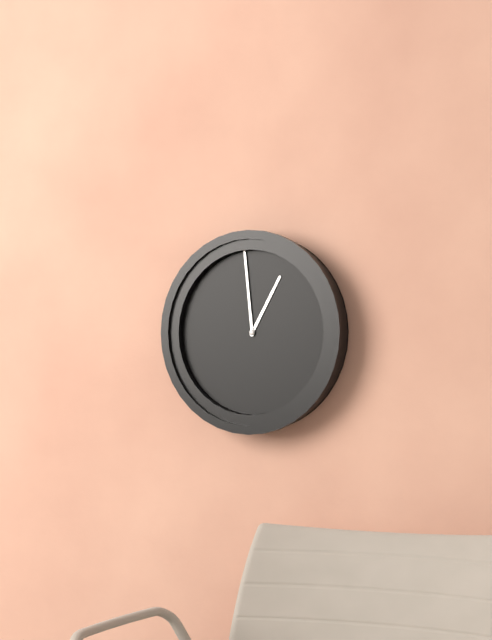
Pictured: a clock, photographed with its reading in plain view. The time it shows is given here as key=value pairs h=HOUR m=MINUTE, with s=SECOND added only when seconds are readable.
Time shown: h=12 m=59
